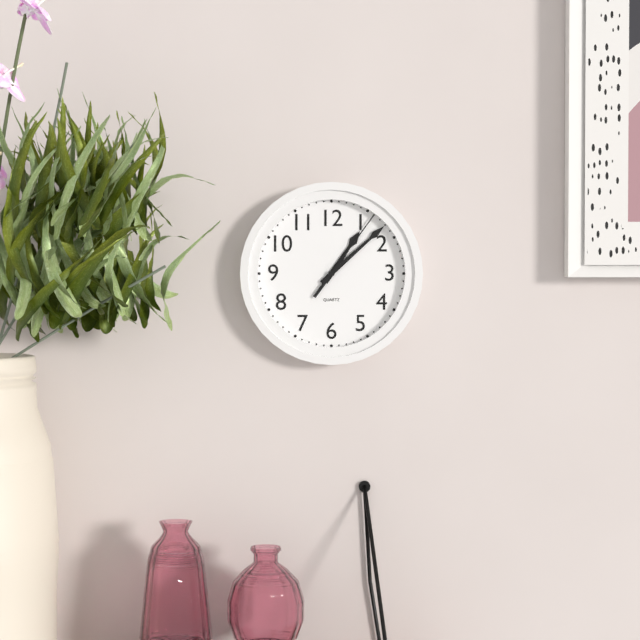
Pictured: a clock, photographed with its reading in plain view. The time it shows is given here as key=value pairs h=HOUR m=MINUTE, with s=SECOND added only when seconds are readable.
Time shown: h=1 m=8 s=6
